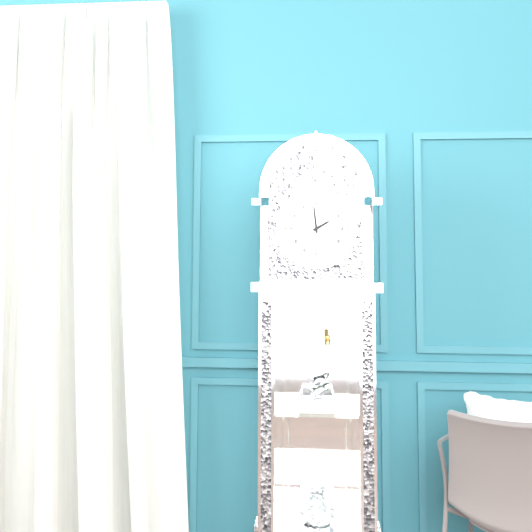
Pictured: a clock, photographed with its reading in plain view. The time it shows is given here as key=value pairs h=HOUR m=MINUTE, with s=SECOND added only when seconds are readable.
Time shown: h=1 m=59
